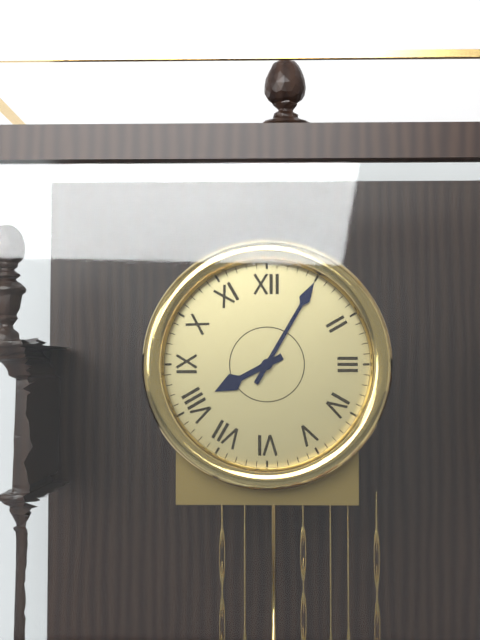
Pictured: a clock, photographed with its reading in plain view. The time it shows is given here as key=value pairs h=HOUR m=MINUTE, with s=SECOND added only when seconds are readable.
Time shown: h=8 m=5
